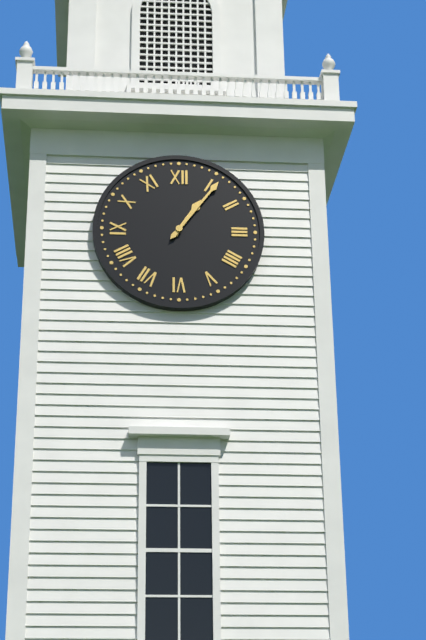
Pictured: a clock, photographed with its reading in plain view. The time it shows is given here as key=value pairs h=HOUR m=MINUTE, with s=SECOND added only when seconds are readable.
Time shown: h=1 m=6
